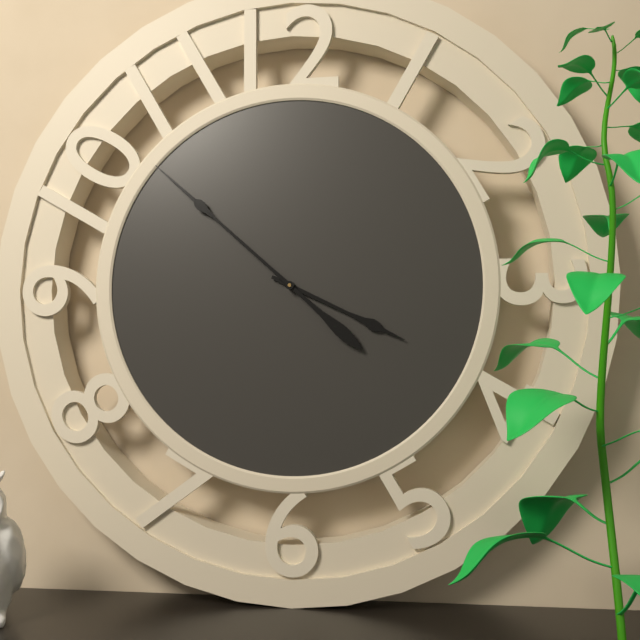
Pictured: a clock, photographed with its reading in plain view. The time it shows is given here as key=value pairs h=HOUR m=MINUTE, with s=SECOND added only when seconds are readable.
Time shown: h=3 m=52
